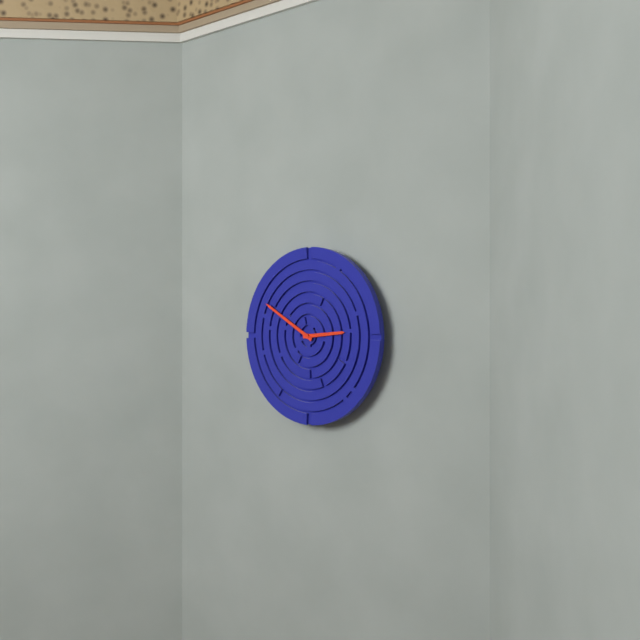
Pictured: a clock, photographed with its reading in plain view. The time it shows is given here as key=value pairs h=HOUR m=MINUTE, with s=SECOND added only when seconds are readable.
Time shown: h=2 m=50
